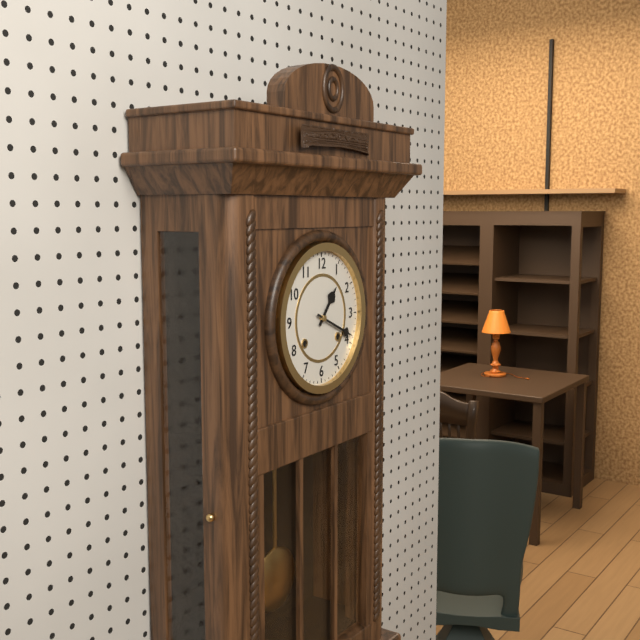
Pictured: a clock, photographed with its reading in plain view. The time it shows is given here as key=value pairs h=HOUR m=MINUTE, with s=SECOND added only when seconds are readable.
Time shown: h=1 m=19
